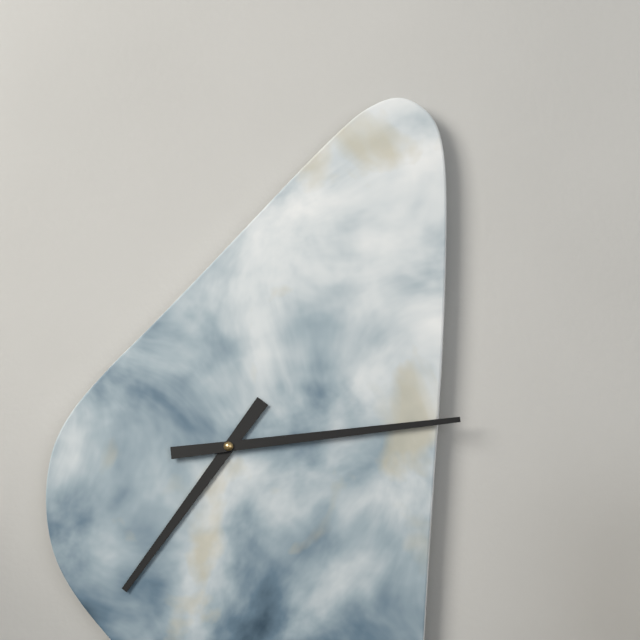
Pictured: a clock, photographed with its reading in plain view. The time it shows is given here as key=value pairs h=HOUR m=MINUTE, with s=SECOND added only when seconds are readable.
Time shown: h=7 m=14
